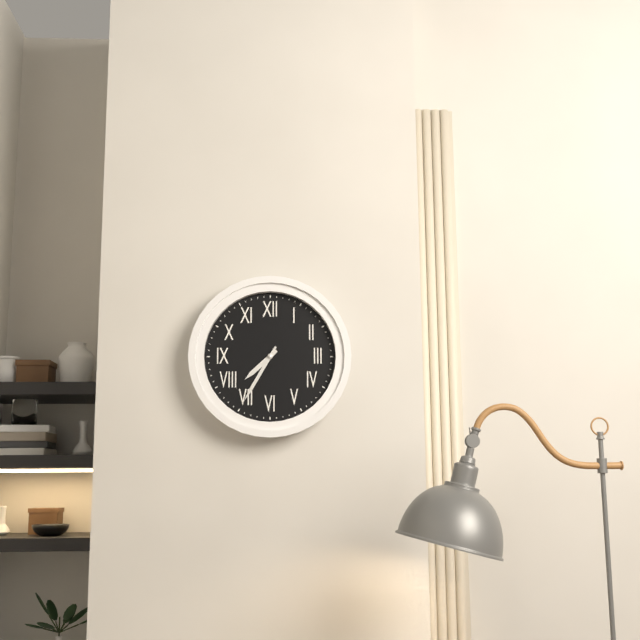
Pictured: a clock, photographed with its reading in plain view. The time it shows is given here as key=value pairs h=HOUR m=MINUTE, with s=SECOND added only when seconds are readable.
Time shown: h=7 m=35
